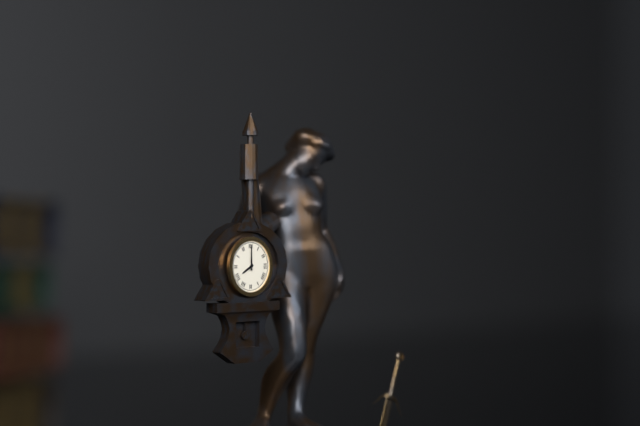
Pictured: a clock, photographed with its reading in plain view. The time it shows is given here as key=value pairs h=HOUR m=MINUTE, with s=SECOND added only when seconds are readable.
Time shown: h=8 m=0
